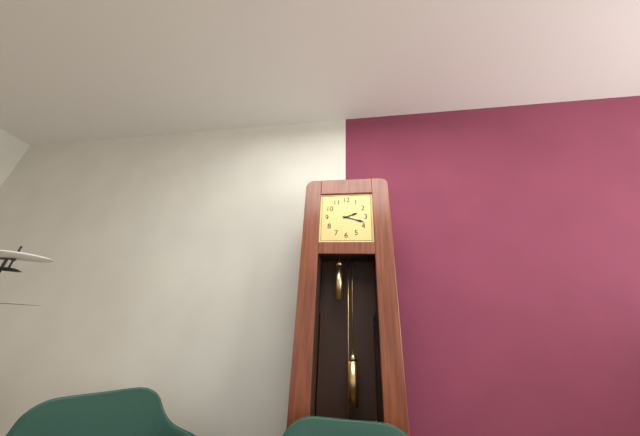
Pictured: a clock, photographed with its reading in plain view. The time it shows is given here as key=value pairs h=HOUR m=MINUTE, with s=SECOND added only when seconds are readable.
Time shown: h=2 m=18
